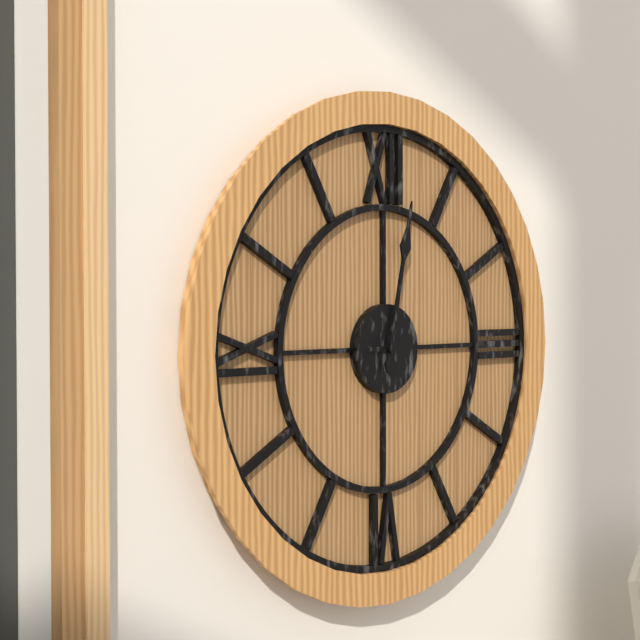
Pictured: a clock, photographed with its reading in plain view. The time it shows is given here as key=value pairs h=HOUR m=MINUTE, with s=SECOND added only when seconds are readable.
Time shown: h=9 m=2
